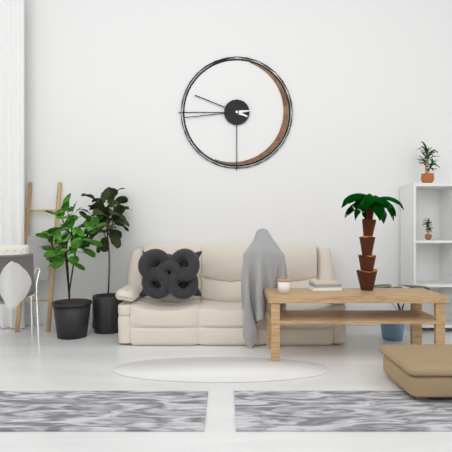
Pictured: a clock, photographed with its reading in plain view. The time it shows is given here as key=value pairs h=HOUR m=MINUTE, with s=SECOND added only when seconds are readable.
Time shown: h=9 m=44
